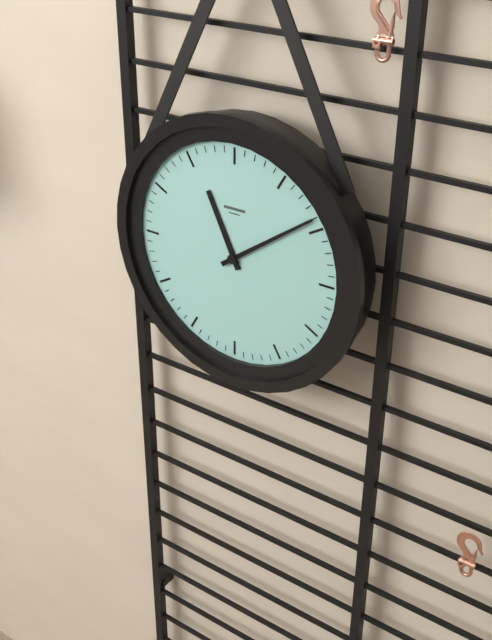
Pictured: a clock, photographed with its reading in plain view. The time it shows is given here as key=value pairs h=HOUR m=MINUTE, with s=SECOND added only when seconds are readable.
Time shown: h=11 m=9
